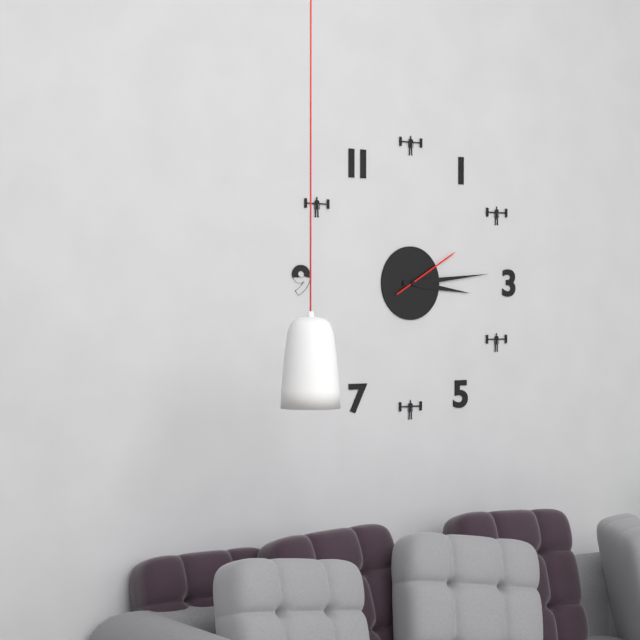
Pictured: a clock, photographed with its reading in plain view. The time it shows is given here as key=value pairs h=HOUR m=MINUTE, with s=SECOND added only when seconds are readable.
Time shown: h=3 m=14 s=10
